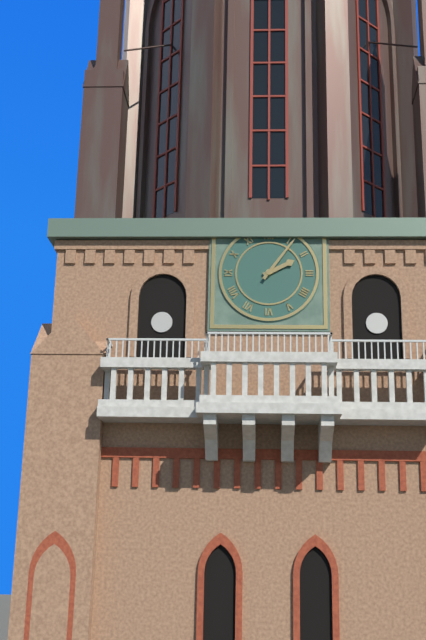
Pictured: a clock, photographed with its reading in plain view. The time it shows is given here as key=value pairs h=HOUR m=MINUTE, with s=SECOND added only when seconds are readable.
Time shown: h=2 m=6
